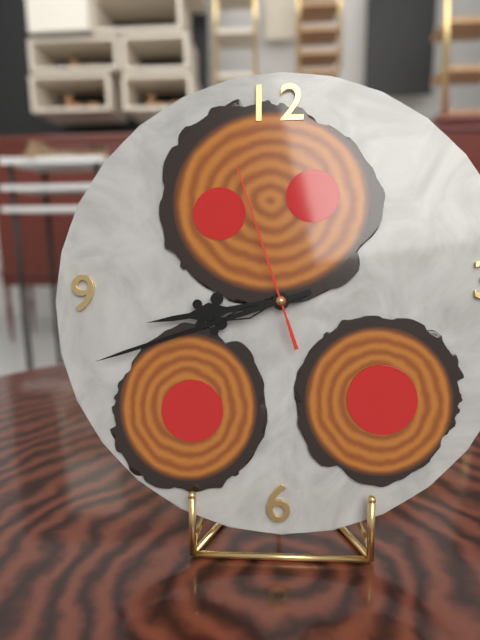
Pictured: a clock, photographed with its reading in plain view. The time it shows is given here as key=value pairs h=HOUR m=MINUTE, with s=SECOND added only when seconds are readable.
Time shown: h=8 m=42 s=57
